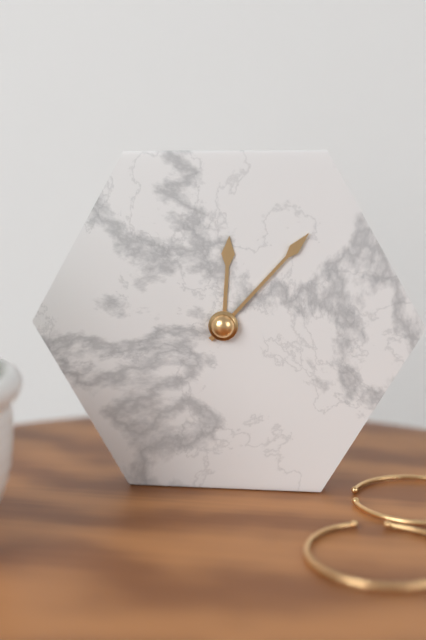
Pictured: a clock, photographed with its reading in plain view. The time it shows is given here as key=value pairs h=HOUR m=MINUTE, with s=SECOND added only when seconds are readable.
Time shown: h=12 m=7
